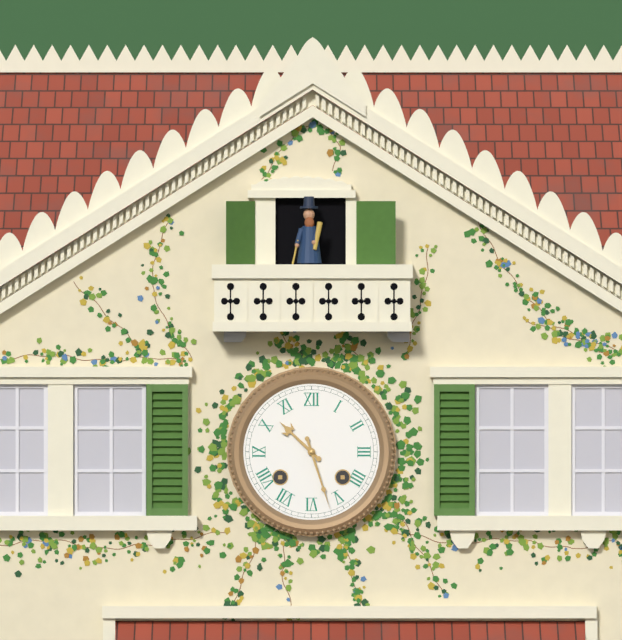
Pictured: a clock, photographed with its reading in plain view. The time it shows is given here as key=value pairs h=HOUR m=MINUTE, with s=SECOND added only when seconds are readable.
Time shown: h=10 m=27
